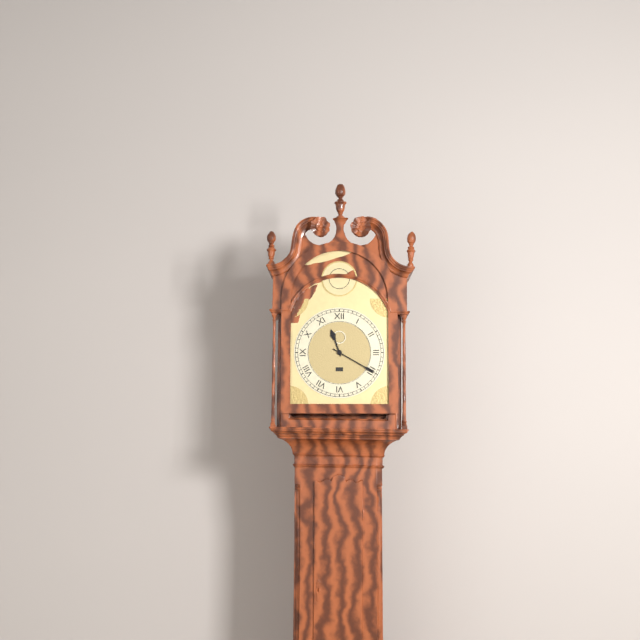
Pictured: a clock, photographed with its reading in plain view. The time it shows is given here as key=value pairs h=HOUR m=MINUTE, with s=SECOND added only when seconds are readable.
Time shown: h=11 m=20
